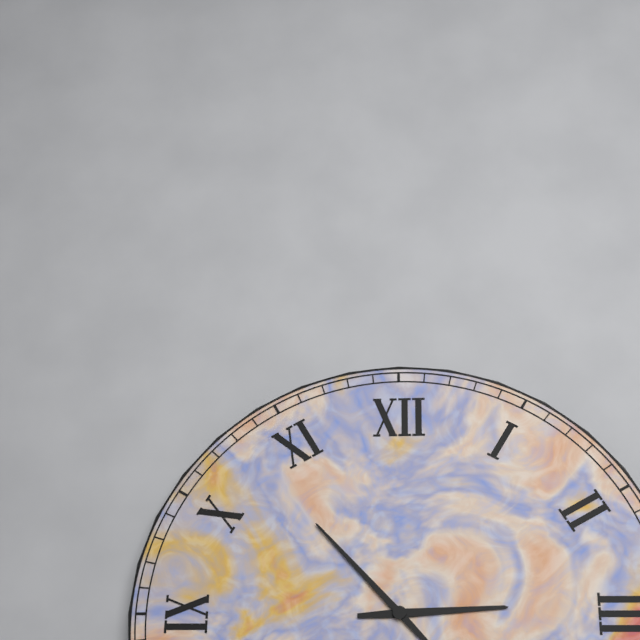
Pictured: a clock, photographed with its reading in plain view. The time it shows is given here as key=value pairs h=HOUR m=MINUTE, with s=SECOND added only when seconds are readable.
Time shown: h=2 m=53
